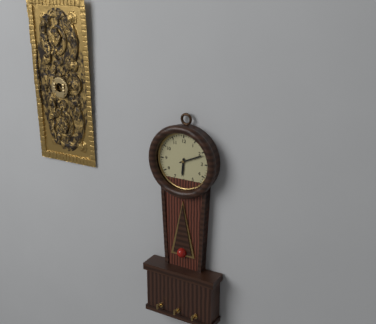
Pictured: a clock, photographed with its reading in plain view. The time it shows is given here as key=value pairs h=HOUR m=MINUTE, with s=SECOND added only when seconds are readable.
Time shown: h=6 m=11
